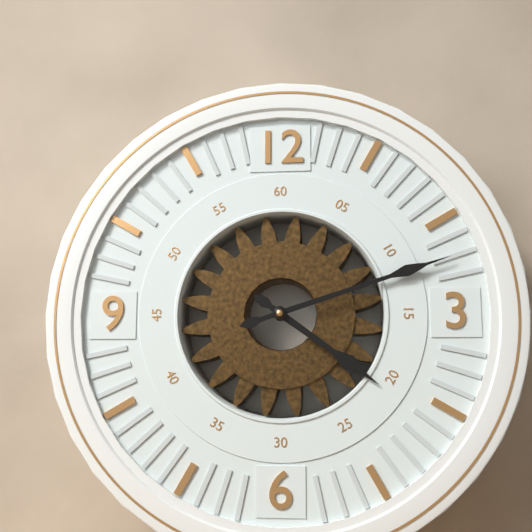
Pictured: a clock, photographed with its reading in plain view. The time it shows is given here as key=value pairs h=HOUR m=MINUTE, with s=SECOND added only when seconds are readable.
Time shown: h=4 m=12
